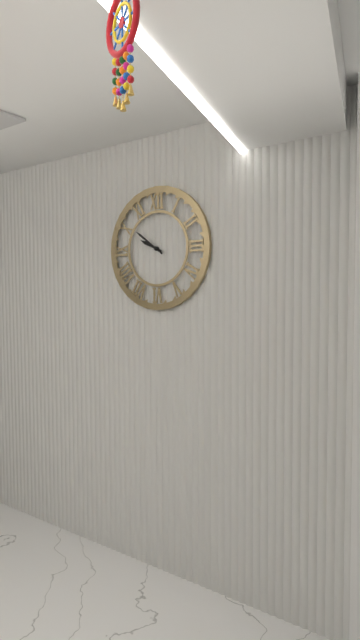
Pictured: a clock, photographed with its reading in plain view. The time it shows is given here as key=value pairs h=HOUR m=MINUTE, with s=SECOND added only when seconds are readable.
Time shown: h=9 m=51
